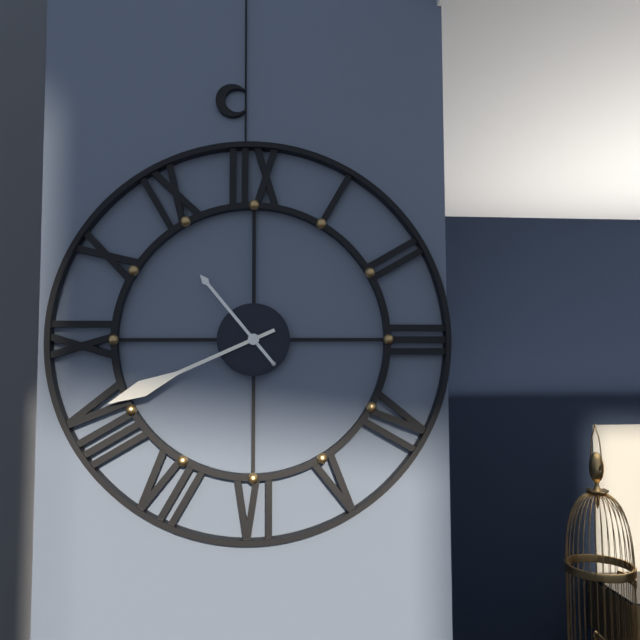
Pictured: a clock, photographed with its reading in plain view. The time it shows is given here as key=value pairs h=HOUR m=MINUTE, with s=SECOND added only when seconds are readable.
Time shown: h=10 m=41
